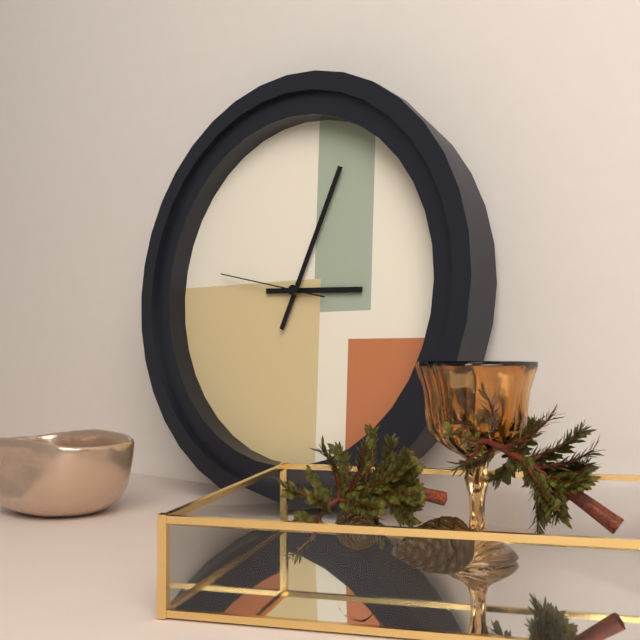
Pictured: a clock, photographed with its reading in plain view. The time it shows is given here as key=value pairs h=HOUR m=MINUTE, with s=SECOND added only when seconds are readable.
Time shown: h=3 m=4 s=47
